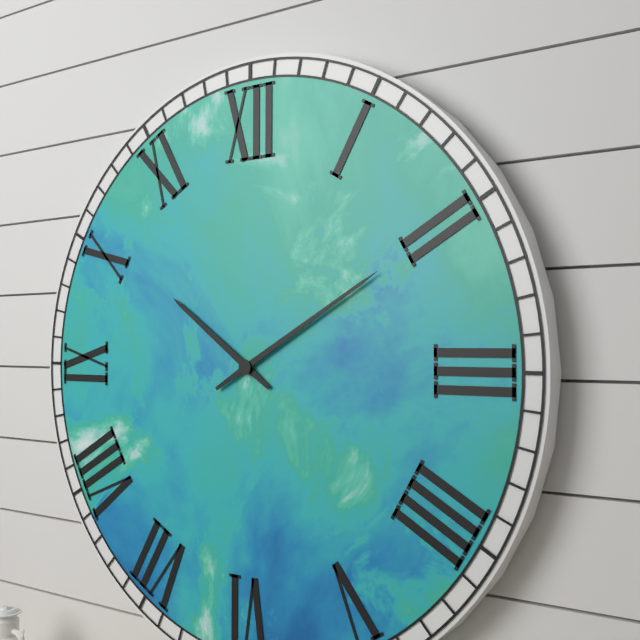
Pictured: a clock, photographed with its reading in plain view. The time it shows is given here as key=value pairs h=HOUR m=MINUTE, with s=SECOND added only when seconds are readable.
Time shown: h=10 m=10
